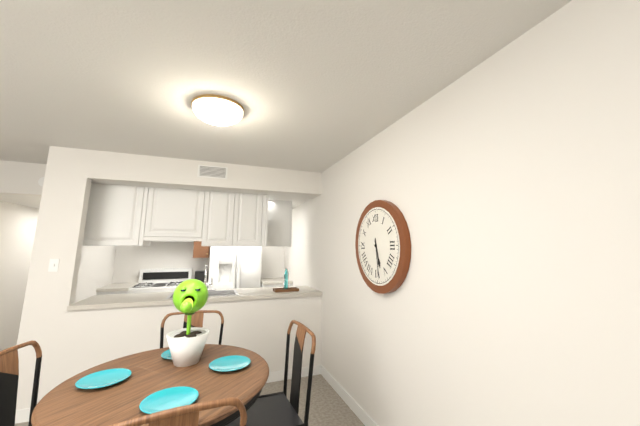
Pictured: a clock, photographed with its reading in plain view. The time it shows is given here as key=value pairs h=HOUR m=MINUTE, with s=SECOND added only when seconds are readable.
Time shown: h=5 m=29
